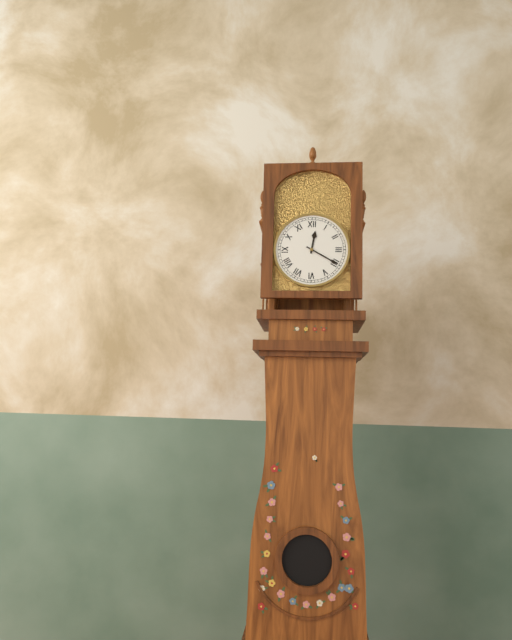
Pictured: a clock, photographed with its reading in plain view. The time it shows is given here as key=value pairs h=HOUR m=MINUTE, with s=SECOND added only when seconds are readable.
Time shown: h=12 m=20
